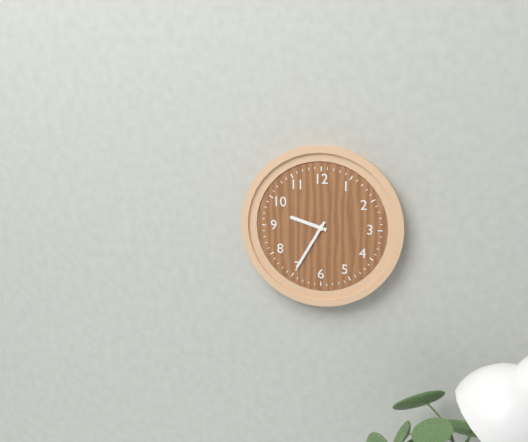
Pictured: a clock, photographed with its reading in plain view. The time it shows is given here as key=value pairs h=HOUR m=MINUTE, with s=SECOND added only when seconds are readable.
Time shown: h=9 m=35
